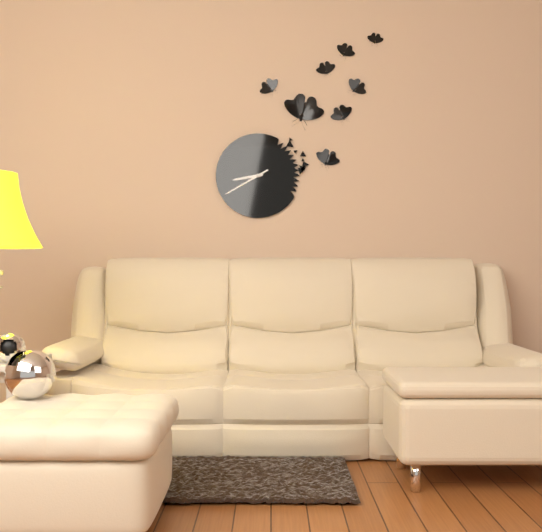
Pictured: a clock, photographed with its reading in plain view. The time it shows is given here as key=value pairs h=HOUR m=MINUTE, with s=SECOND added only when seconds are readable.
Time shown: h=8 m=40
